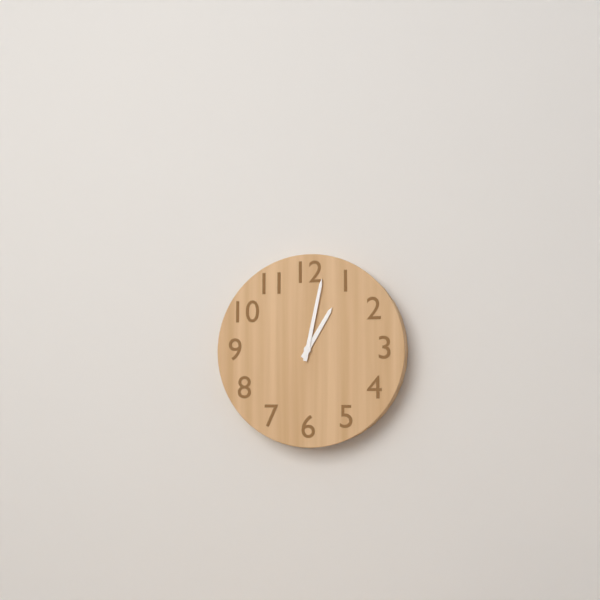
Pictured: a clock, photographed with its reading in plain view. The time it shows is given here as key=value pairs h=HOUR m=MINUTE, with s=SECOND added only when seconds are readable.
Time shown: h=1 m=2
